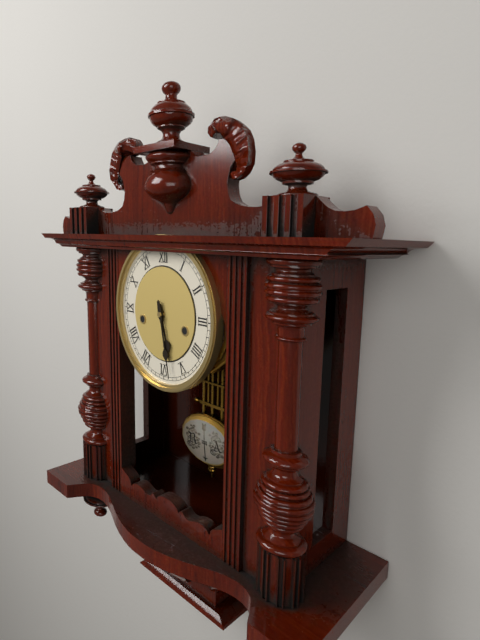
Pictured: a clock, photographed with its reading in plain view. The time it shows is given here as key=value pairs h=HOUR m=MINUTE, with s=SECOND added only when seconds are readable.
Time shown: h=5 m=28
